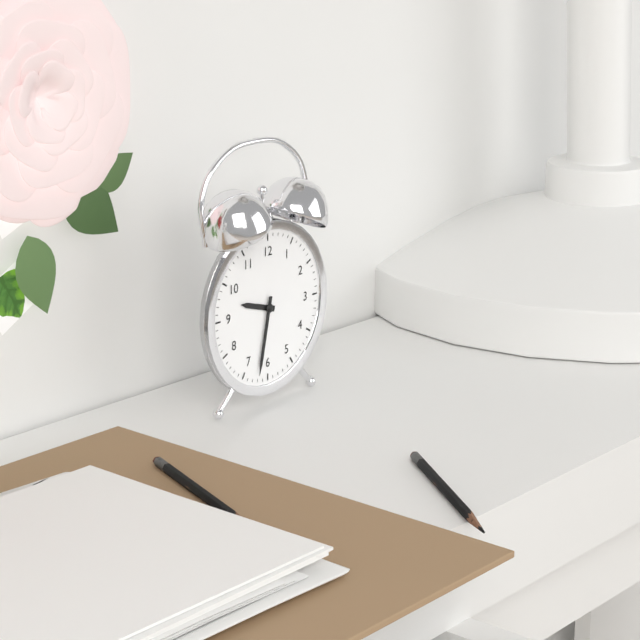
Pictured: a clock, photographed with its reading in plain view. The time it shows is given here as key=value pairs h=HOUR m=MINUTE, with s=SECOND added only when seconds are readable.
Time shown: h=9 m=32
